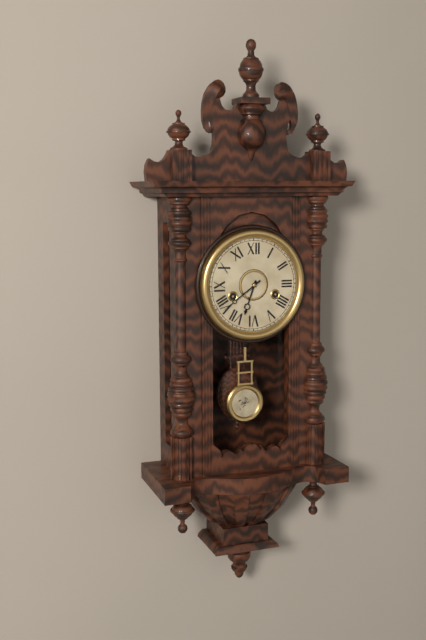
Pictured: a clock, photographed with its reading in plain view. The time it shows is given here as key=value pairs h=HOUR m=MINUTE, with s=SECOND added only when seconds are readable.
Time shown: h=6 m=39
